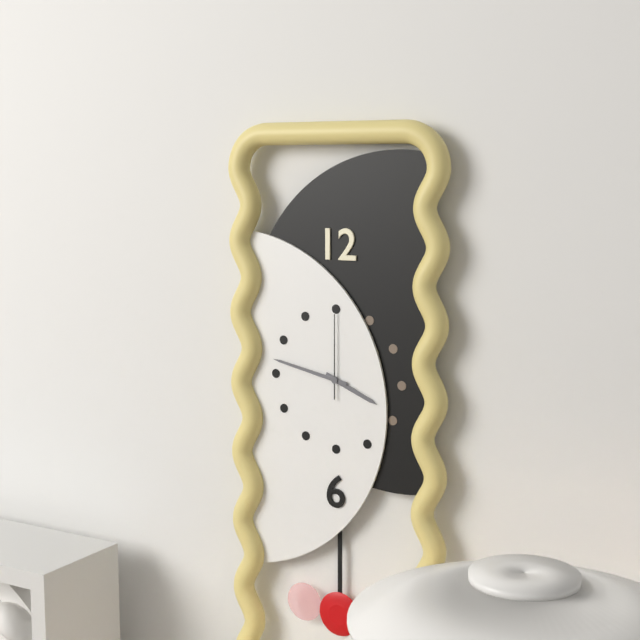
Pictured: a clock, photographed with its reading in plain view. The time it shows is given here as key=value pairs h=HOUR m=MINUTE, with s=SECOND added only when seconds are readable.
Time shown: h=3 m=47 s=0
